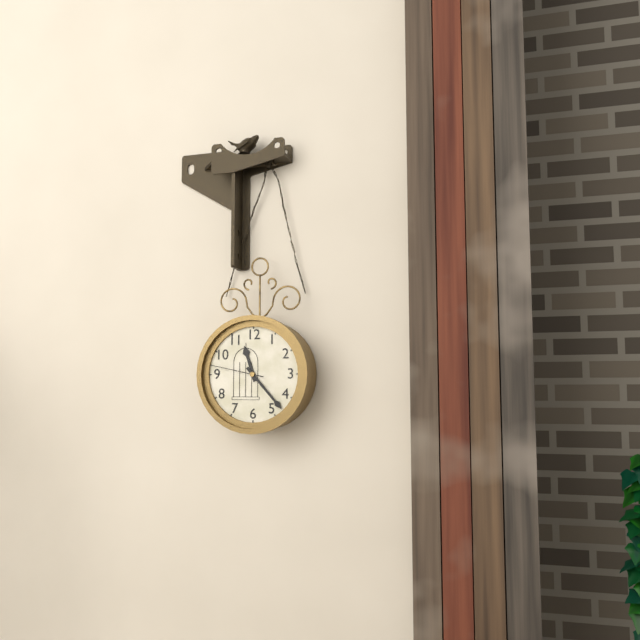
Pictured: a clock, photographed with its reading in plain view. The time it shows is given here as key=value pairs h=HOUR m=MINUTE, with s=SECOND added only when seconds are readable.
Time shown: h=11 m=23 s=47
